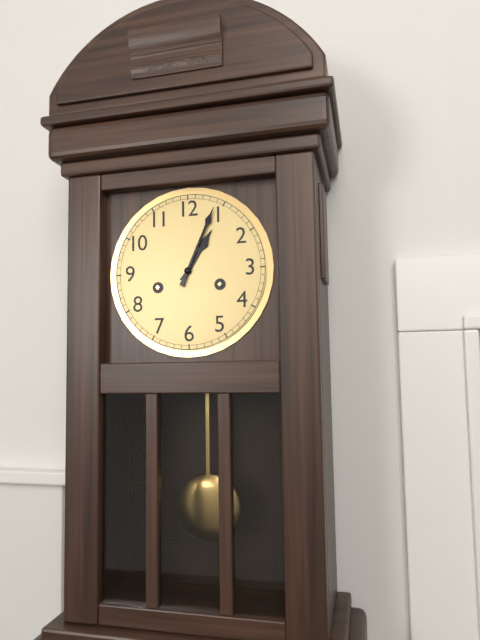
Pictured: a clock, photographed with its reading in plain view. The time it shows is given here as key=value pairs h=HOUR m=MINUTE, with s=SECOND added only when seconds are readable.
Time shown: h=1 m=4
